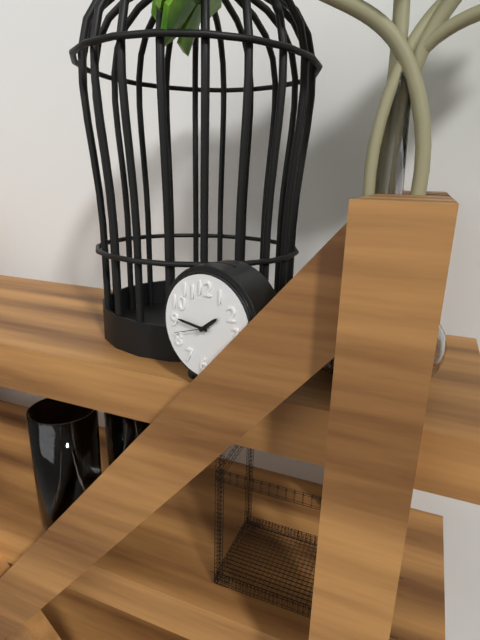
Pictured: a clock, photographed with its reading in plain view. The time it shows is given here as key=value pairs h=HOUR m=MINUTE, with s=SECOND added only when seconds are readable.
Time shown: h=1 m=46
